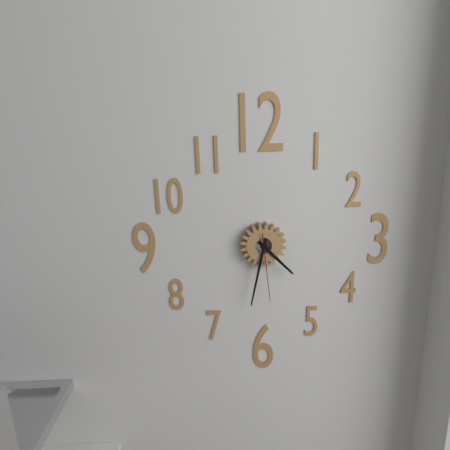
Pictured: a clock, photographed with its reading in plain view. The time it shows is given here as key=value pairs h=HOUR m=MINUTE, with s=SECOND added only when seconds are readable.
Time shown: h=4 m=32 s=29
